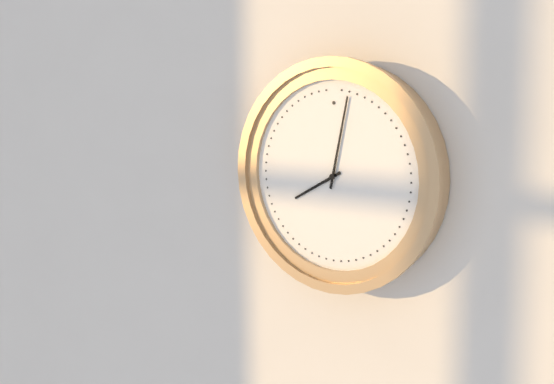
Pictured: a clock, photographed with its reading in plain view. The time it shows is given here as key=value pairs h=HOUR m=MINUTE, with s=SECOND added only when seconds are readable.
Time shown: h=8 m=2
